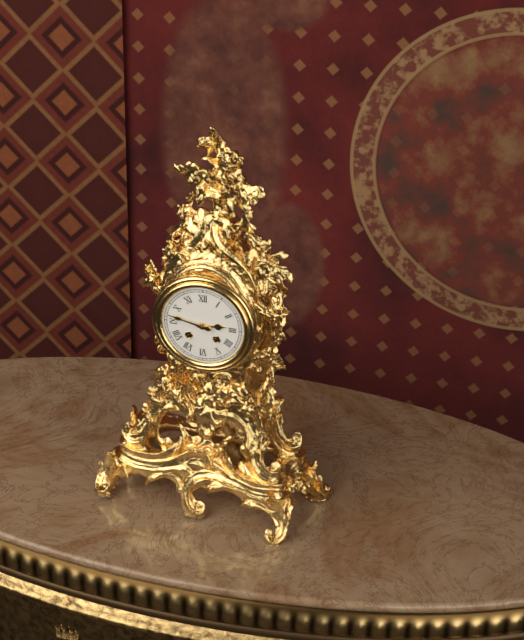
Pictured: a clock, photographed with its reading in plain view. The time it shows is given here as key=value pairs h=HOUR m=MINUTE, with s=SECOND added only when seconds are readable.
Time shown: h=2 m=47
